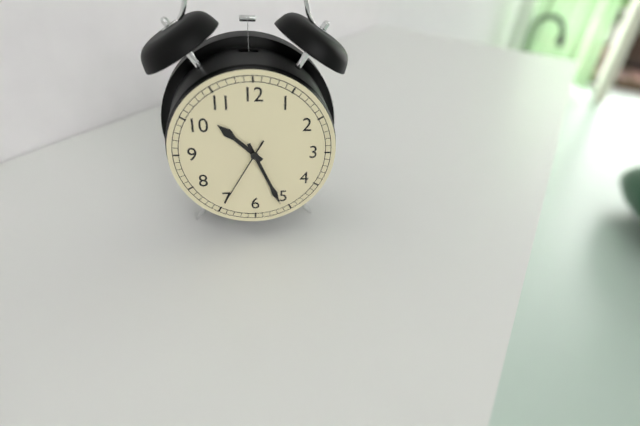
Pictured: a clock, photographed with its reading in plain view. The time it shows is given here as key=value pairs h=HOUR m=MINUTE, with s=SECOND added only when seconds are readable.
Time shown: h=10 m=26 s=35
